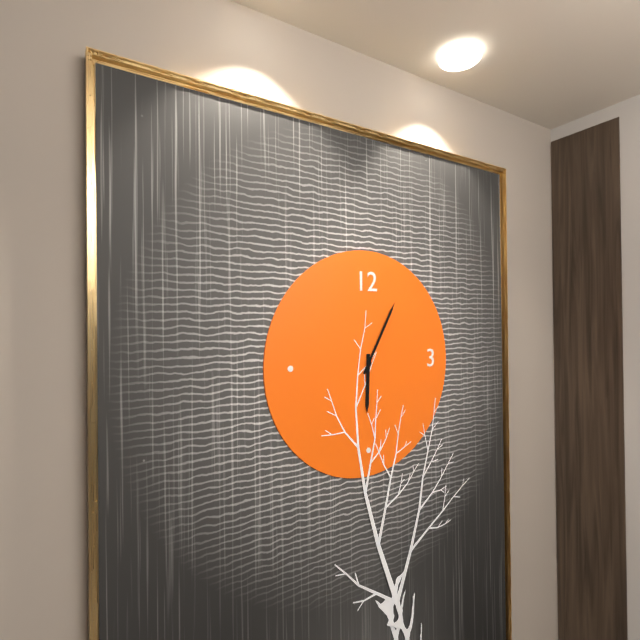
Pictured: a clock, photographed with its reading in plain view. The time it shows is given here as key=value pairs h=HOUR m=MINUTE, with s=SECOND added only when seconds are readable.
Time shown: h=6 m=5
